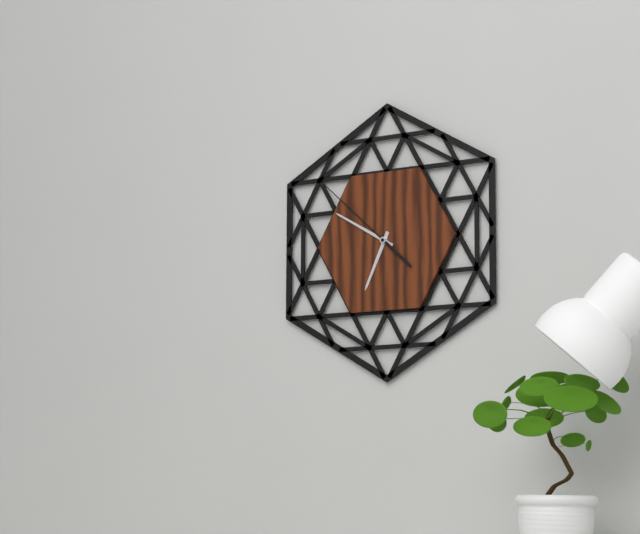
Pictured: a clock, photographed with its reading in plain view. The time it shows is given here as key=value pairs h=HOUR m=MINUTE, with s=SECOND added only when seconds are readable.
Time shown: h=6 m=50 s=52
